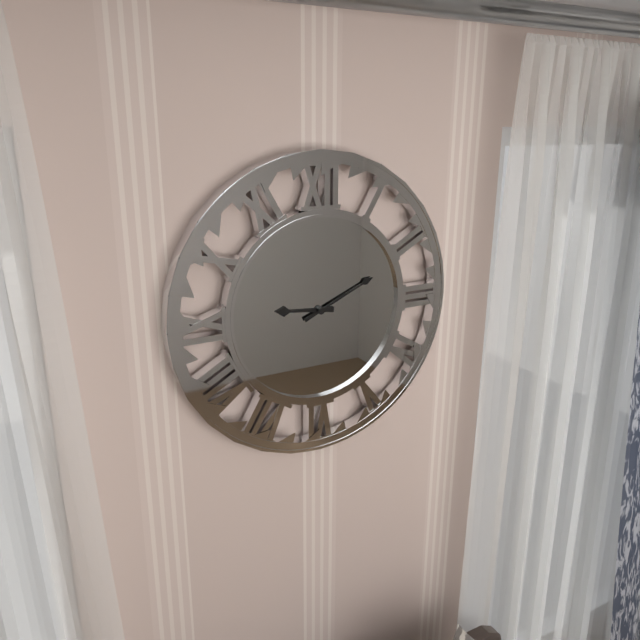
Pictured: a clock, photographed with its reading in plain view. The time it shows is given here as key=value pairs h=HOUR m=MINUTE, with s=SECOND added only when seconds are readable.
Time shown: h=9 m=11
